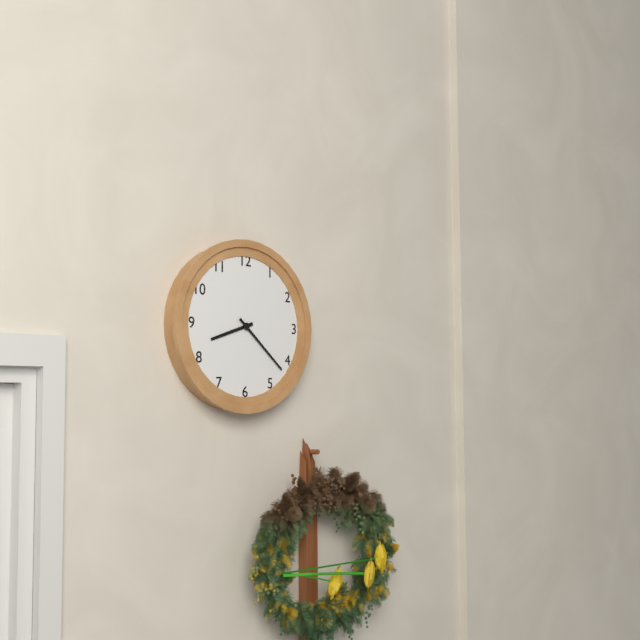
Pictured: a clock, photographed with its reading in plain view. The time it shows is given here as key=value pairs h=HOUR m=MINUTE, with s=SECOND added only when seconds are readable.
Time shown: h=8 m=22
